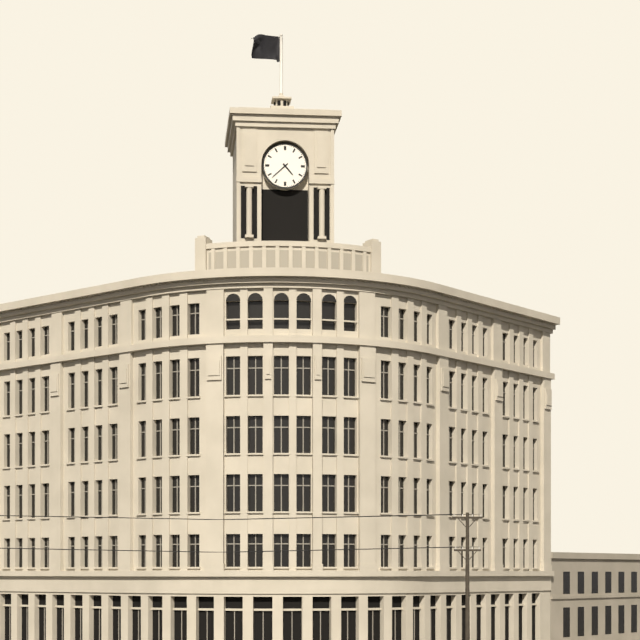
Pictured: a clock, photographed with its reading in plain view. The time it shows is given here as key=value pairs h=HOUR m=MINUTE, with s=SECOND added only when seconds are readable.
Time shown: h=4 m=38
